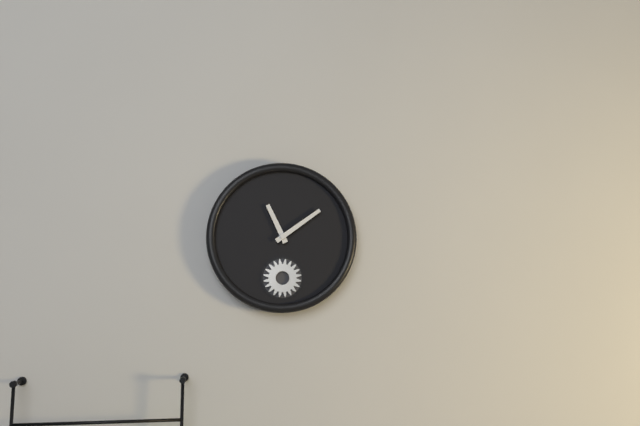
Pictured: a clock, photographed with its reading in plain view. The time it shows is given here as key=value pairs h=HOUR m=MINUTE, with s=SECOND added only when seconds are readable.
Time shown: h=11 m=9
